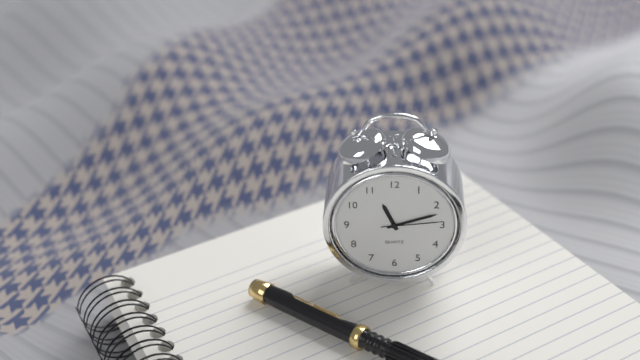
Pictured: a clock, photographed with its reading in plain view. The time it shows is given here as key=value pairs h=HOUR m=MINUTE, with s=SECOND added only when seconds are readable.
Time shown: h=11 m=12 s=14
